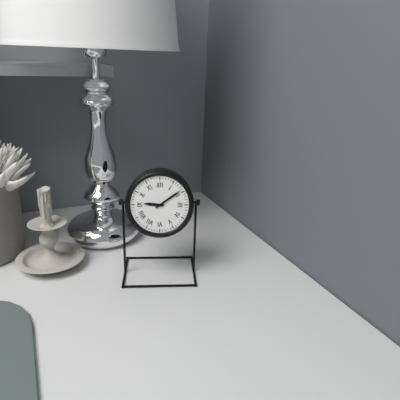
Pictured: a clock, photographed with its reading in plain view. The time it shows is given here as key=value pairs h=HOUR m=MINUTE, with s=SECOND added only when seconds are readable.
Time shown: h=9 m=9
